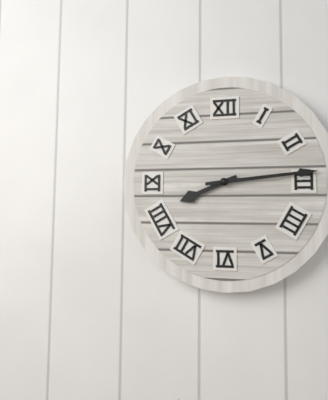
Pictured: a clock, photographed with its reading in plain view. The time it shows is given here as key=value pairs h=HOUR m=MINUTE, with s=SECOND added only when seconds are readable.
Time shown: h=8 m=14
